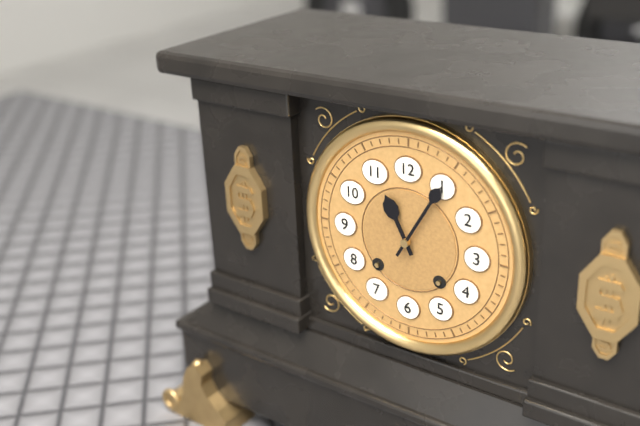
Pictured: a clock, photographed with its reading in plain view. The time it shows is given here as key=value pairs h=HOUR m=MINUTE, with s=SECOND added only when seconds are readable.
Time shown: h=11 m=5
